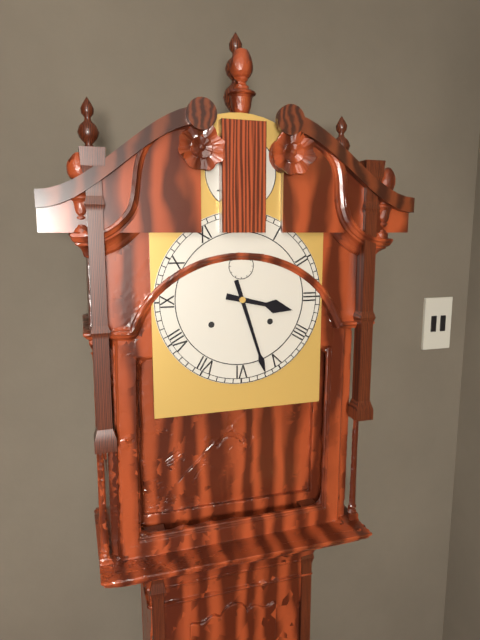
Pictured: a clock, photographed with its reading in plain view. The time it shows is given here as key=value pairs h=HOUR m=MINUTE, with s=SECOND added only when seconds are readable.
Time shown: h=3 m=27
